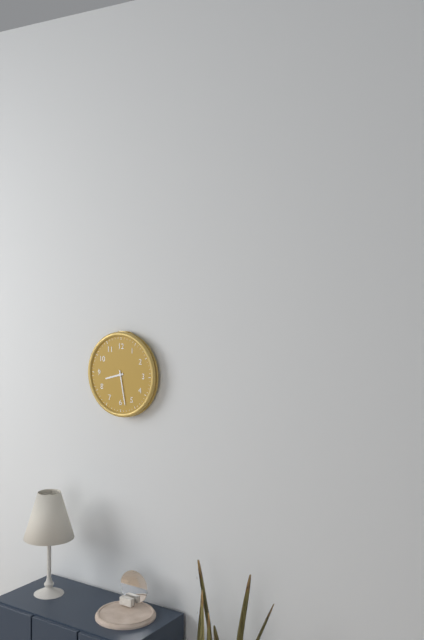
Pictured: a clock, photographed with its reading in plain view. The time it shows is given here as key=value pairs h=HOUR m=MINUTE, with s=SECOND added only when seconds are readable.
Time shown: h=8 m=28
